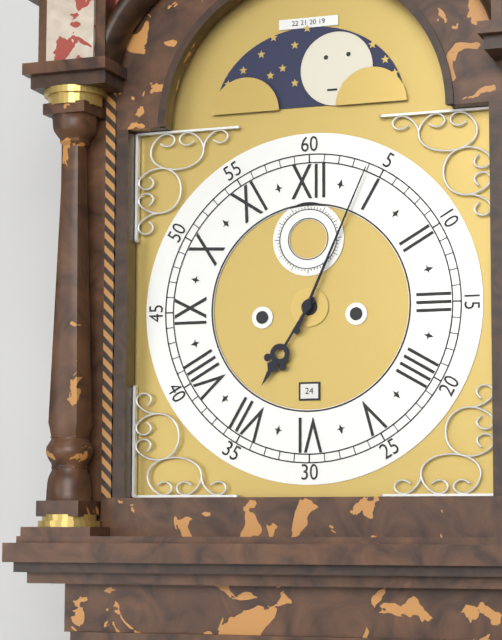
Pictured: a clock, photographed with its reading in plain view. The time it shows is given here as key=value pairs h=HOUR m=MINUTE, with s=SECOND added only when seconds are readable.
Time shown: h=7 m=4
